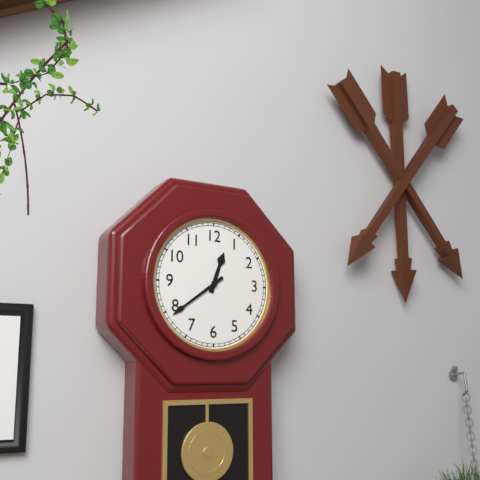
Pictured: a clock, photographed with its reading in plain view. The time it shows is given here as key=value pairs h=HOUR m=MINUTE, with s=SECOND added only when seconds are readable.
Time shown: h=12 m=39
